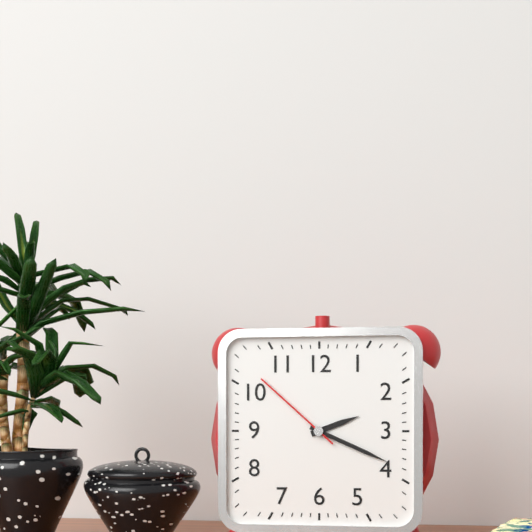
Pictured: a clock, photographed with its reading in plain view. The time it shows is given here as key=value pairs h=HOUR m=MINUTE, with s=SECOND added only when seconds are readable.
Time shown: h=2 m=19 s=52
